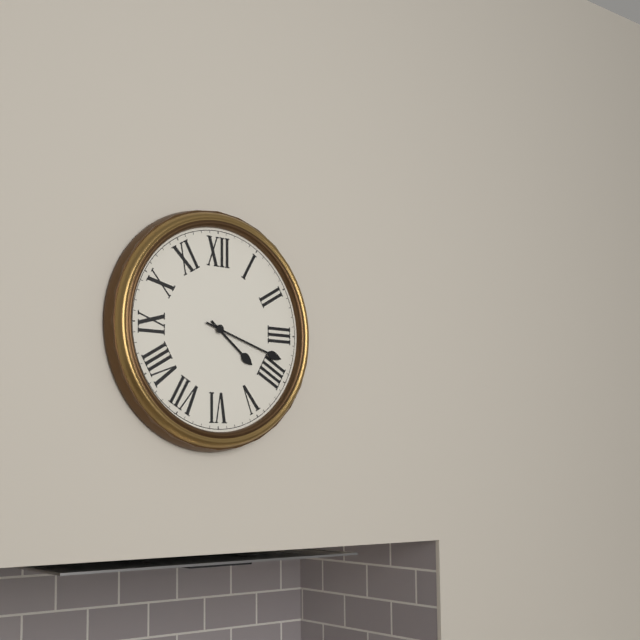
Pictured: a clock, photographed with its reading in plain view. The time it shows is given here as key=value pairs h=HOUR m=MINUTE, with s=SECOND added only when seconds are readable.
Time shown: h=4 m=18
